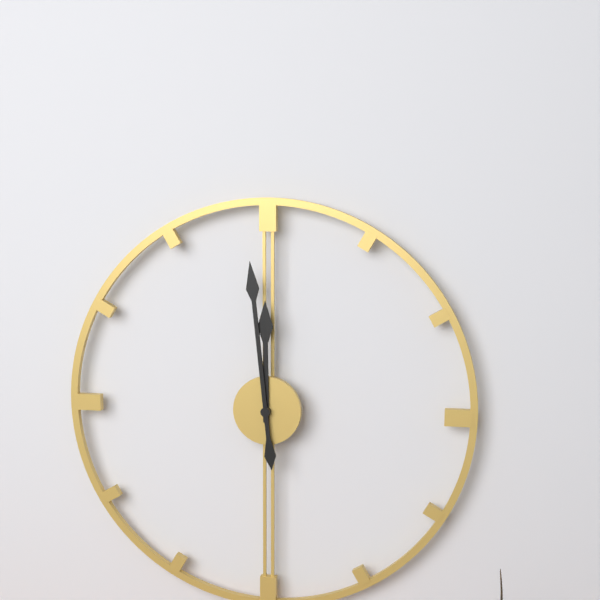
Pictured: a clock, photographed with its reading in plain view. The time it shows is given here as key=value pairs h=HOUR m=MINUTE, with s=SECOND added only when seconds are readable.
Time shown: h=11 m=59
